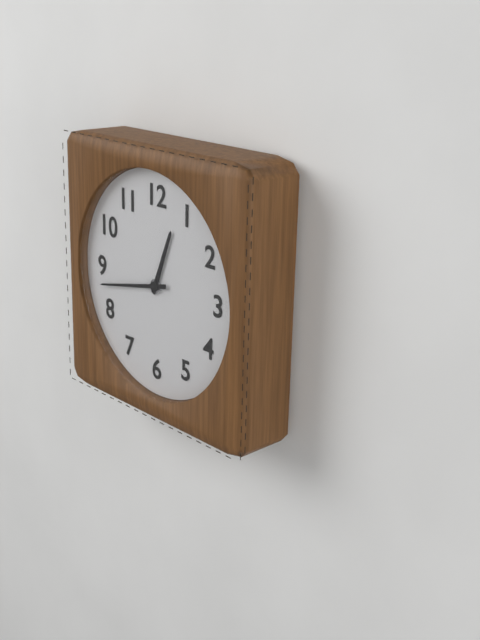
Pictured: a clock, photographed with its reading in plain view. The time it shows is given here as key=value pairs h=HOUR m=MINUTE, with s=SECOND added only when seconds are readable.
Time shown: h=12 m=43
